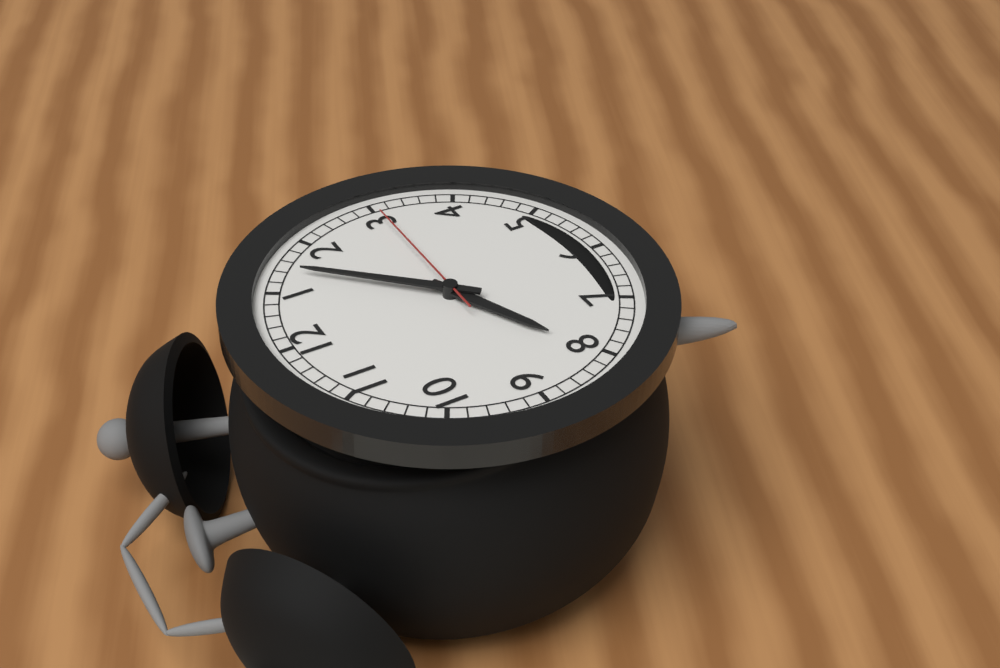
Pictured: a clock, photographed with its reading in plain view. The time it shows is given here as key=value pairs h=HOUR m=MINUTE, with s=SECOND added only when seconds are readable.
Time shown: h=8 m=7 s=15
